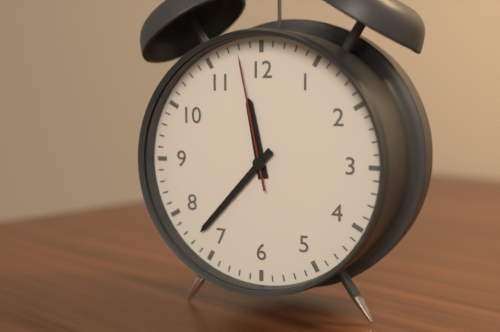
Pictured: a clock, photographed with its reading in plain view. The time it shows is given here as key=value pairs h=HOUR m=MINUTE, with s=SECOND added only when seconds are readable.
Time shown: h=11 m=37 s=58
